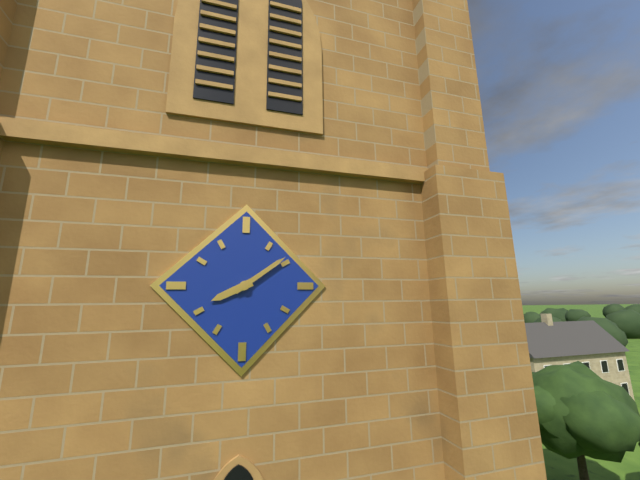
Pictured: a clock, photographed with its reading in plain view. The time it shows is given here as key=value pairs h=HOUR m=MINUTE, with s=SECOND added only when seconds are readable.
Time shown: h=8 m=9
